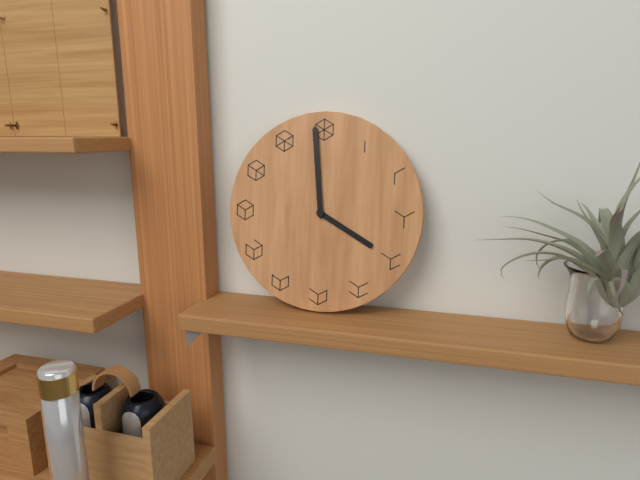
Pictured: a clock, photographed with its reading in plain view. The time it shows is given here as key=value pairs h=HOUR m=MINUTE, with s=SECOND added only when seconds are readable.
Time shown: h=3 m=59
